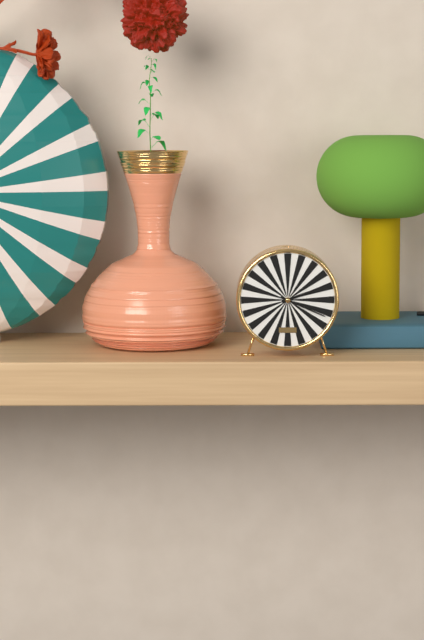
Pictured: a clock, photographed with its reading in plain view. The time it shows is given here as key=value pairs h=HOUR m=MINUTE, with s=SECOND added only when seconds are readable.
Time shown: h=2 m=19
